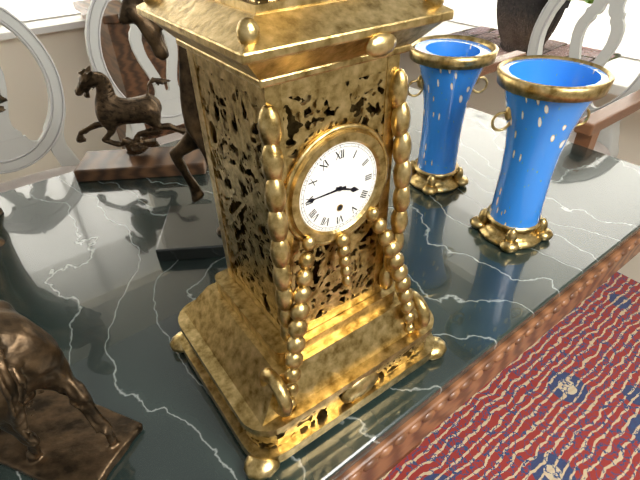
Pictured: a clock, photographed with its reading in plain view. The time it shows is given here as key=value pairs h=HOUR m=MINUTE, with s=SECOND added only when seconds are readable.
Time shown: h=3 m=45
